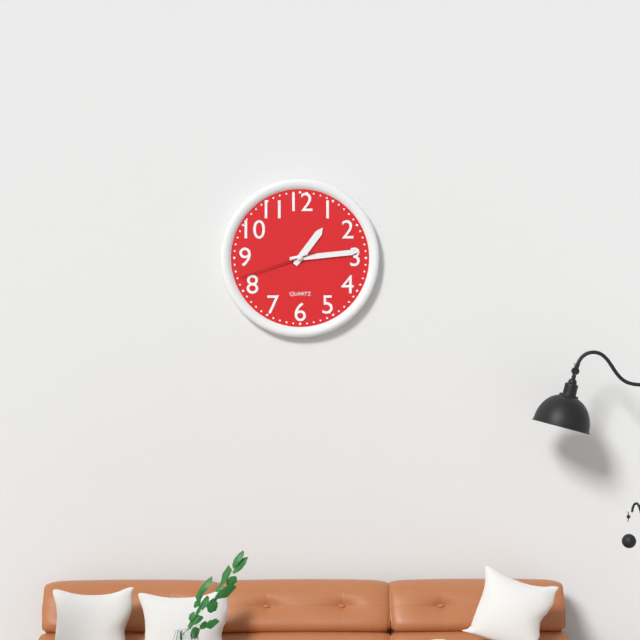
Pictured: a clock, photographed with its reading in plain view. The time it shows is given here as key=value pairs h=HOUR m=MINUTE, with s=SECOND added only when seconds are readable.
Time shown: h=1 m=14 s=42
